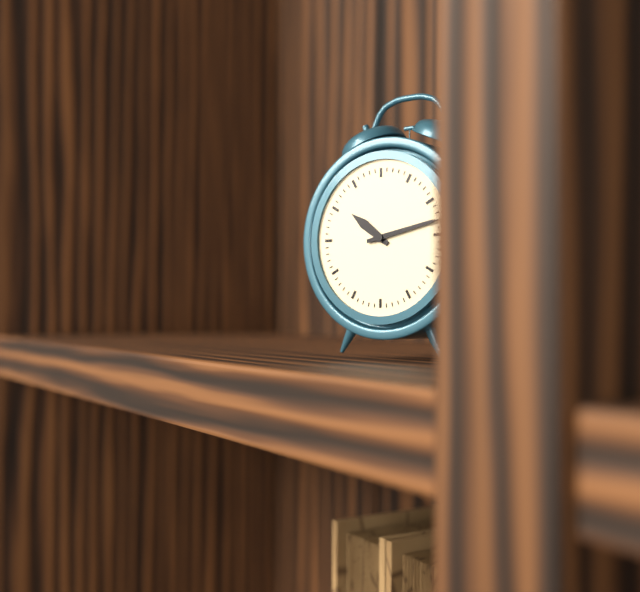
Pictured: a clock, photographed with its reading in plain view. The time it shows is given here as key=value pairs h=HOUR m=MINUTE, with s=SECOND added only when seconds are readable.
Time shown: h=10 m=13
